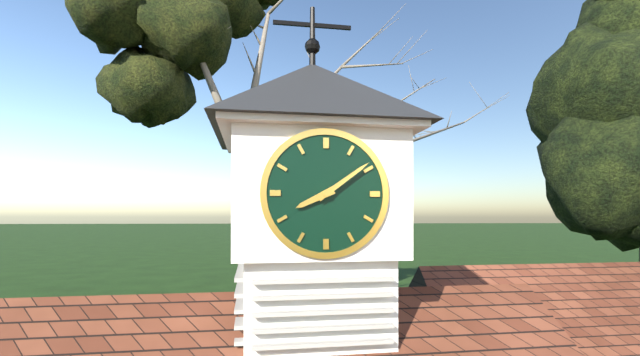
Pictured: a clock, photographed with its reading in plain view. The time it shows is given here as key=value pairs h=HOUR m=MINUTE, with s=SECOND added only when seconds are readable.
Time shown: h=8 m=9
